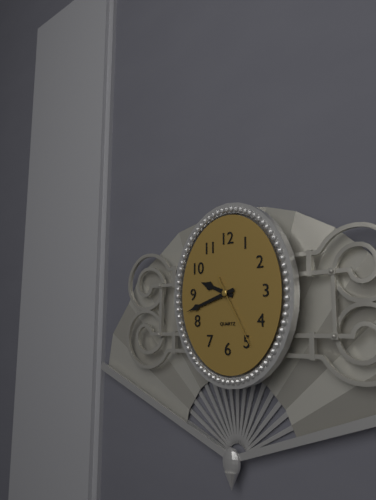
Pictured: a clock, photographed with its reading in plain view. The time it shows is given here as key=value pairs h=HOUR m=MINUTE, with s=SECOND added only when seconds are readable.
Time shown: h=9 m=42 s=25
